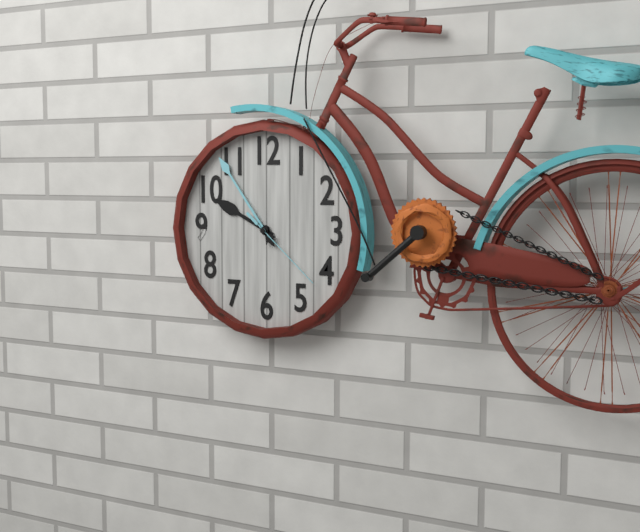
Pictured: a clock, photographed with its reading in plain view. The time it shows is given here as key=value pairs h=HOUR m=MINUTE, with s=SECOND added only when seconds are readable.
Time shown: h=9 m=54 s=22
